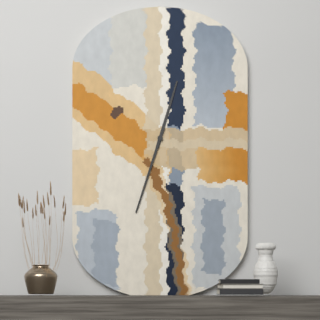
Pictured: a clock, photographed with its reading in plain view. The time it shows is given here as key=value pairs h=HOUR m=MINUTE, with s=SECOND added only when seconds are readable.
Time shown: h=12 m=33
